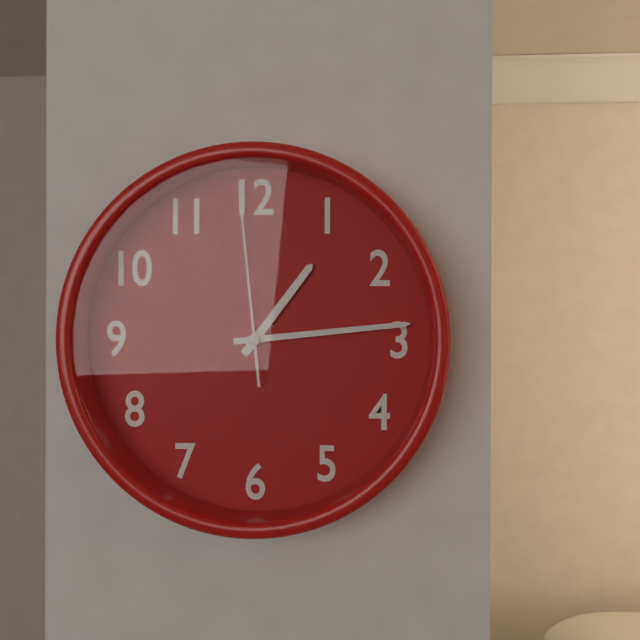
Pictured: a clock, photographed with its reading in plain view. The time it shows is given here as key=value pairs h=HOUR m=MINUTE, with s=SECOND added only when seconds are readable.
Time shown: h=1 m=14 s=59
